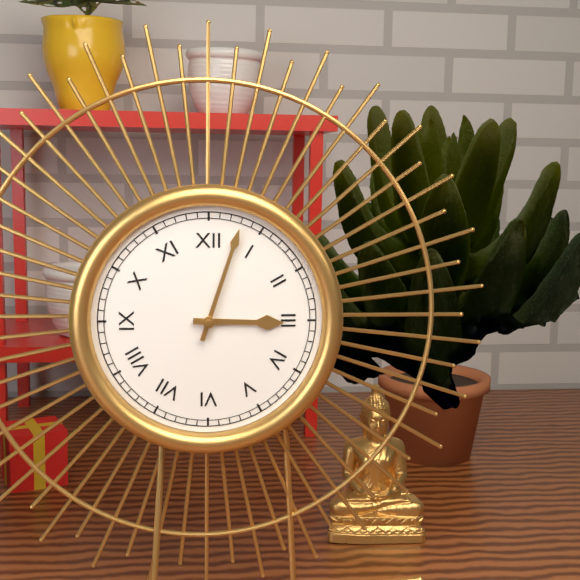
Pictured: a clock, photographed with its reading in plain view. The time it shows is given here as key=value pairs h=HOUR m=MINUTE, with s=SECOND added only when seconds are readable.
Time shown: h=3 m=3
